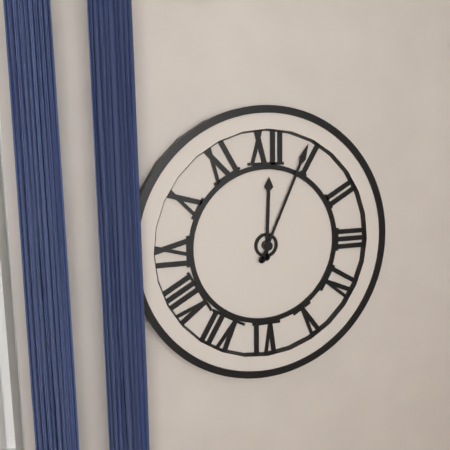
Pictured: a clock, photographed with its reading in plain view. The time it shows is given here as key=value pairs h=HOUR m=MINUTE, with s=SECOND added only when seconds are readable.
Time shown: h=12 m=4
